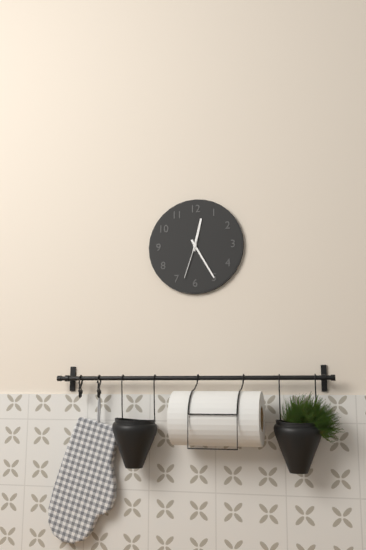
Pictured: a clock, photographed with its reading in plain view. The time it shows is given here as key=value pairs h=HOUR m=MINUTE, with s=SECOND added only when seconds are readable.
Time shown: h=12 m=25
